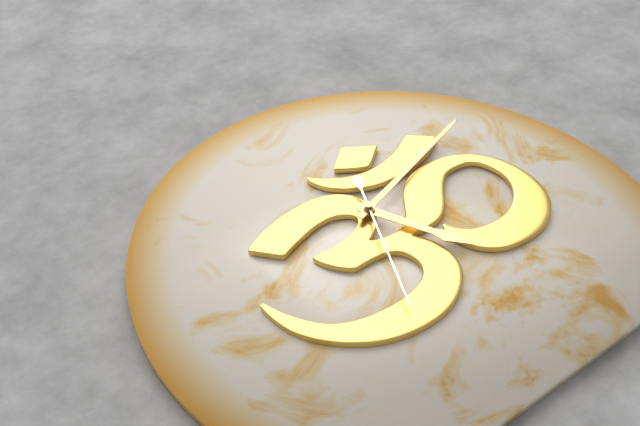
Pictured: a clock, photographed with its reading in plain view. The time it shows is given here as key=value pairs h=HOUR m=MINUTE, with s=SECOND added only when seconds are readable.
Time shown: h=5 m=12 s=34
